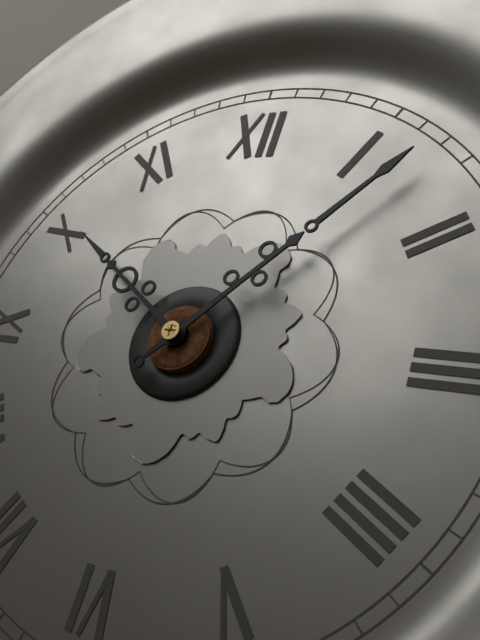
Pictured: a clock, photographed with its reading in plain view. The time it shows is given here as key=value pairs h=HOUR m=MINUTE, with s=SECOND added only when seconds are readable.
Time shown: h=10 m=7
